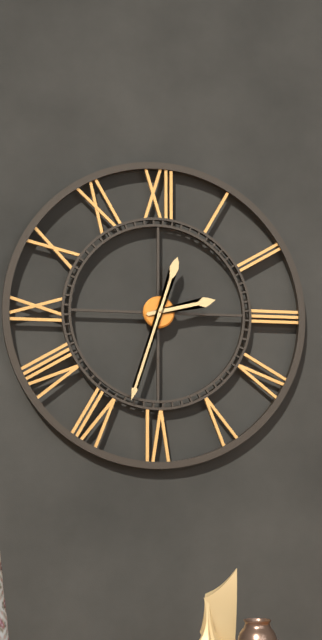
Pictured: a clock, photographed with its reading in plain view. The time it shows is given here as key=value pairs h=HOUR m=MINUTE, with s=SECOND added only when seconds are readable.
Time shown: h=2 m=33
